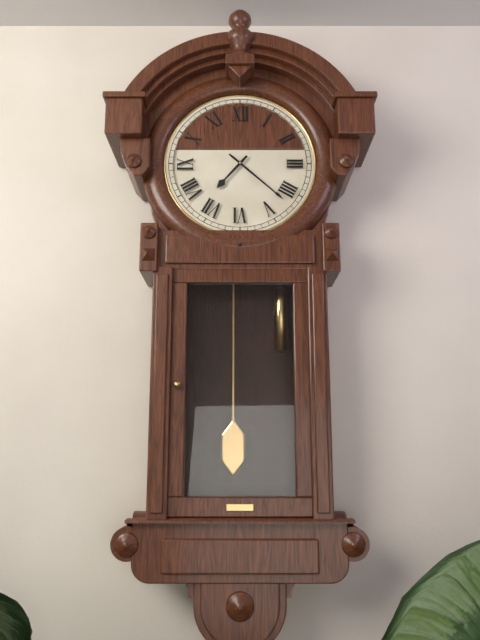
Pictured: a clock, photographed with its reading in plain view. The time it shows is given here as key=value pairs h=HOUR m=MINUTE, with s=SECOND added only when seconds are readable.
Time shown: h=7 m=22
